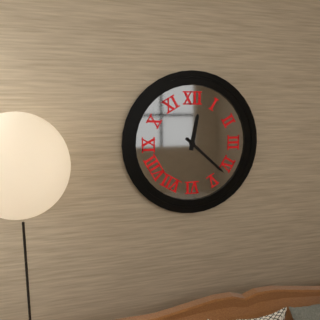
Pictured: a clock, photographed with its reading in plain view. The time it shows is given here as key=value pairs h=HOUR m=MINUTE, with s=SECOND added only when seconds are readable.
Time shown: h=12 m=22
